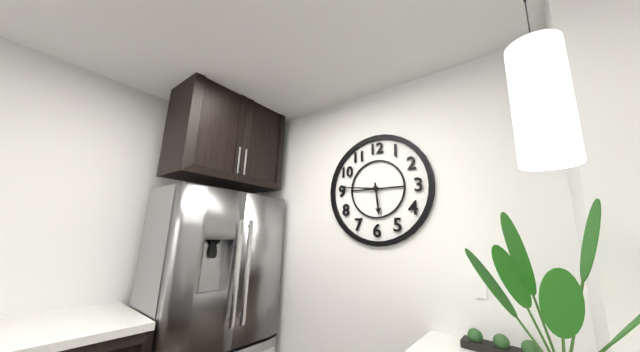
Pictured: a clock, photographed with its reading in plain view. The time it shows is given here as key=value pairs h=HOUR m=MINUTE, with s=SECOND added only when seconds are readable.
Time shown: h=5 m=46
